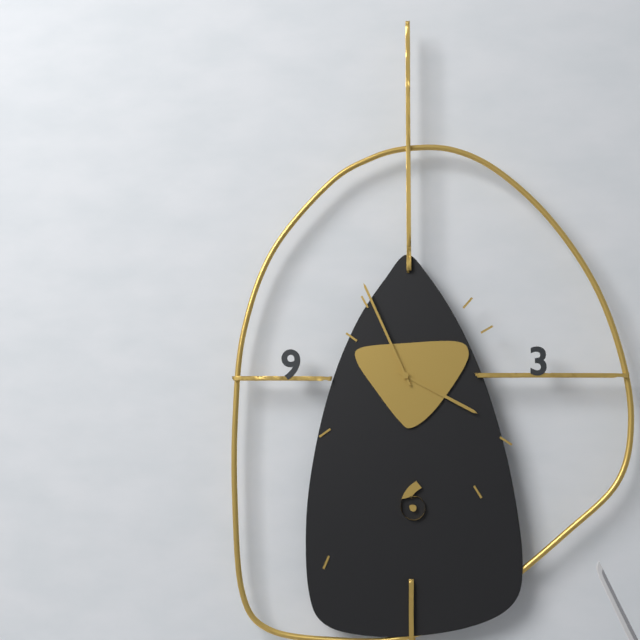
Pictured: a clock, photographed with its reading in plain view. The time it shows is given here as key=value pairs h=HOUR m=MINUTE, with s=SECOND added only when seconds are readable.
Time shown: h=3 m=56
